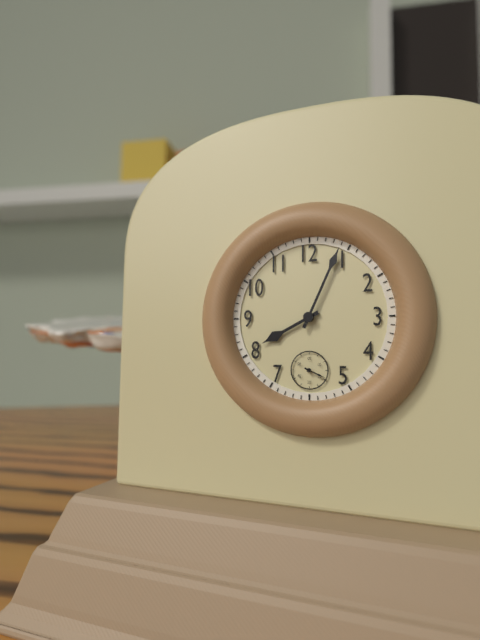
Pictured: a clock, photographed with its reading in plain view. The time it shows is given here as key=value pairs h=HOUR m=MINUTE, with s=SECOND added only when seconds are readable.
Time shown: h=8 m=4
